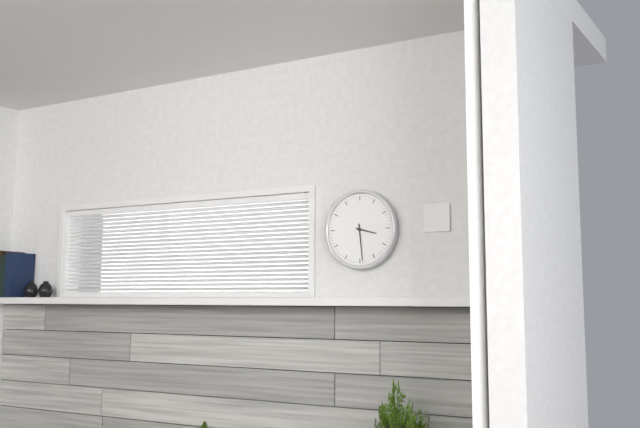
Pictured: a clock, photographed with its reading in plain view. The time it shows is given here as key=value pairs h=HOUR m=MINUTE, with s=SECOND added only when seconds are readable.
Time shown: h=3 m=29
